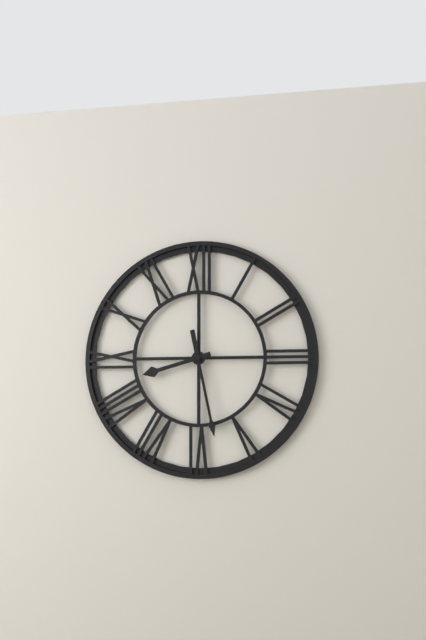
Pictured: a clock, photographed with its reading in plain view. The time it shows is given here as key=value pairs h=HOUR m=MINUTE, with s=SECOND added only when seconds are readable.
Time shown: h=8 m=28
